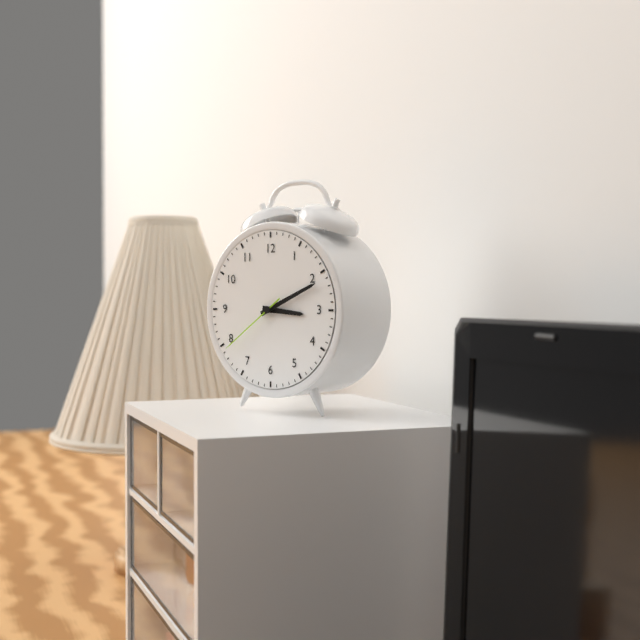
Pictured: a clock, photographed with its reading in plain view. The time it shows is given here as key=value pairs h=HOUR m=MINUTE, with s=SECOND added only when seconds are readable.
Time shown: h=3 m=11 s=39
